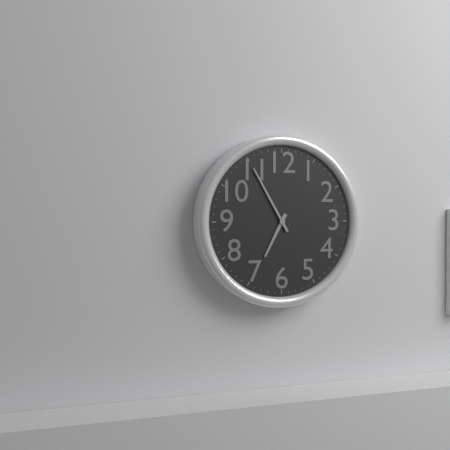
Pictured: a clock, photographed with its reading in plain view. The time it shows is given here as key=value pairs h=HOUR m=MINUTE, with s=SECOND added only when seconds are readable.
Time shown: h=6 m=55
